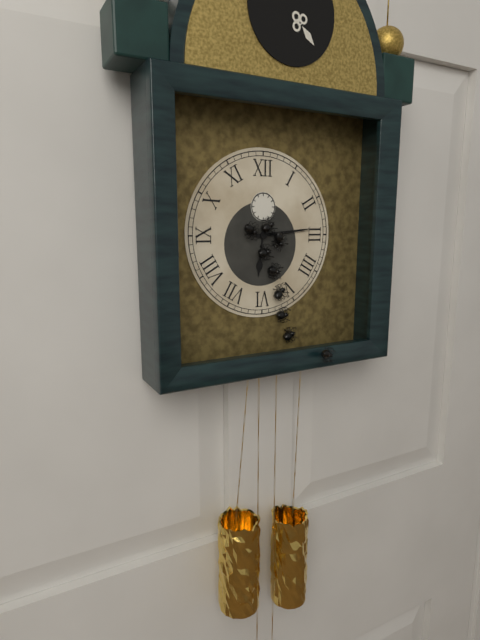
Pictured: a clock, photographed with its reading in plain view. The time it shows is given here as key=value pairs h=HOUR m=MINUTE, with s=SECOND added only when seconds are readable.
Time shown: h=6 m=14
